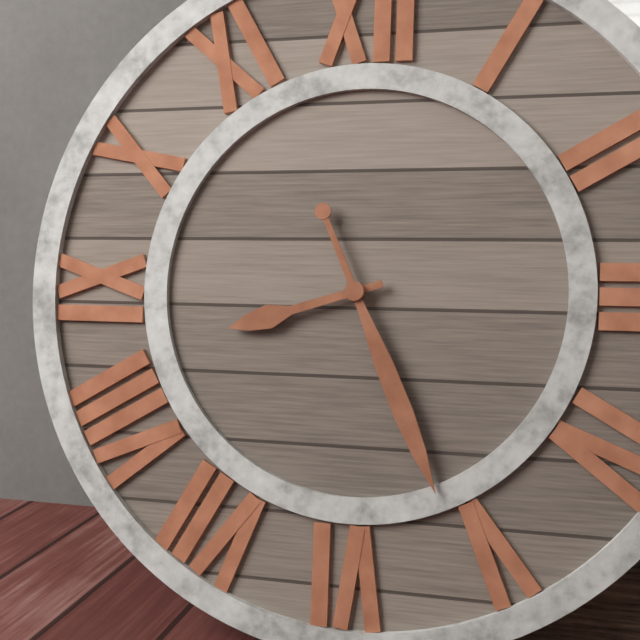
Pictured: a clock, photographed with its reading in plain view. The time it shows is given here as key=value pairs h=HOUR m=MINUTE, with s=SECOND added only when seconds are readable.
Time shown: h=8 m=26
